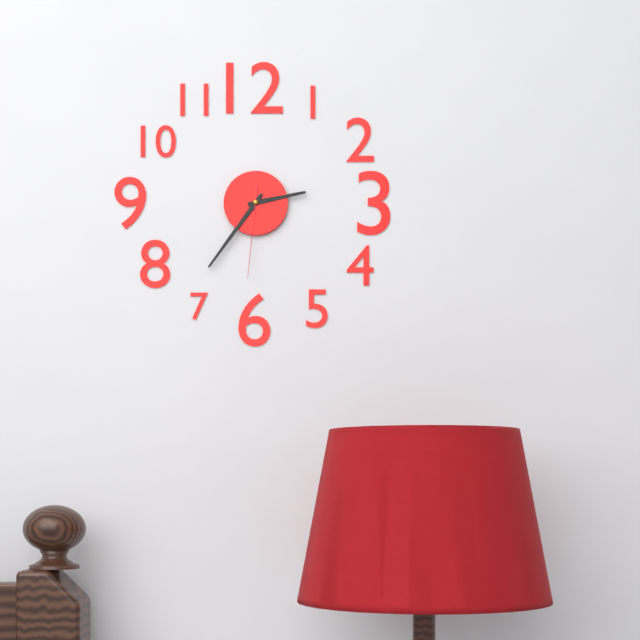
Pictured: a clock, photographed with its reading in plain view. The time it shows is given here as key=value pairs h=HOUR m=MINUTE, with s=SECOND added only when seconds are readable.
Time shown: h=2 m=36 s=31
